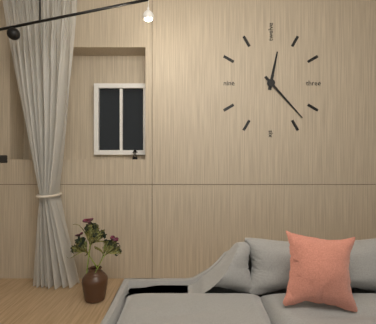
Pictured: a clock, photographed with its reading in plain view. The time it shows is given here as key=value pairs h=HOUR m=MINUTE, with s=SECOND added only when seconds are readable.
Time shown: h=12 m=23
